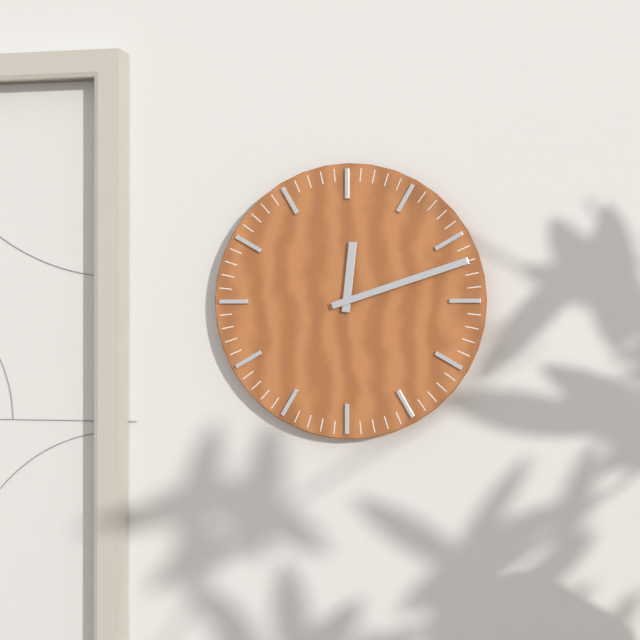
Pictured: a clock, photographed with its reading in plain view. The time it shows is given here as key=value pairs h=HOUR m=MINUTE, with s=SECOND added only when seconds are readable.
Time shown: h=12 m=12
